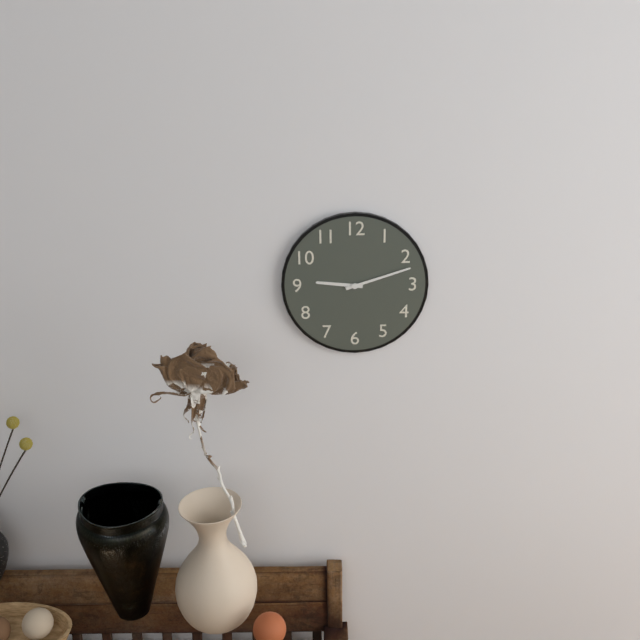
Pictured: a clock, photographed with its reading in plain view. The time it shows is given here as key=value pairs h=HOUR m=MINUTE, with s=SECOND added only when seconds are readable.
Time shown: h=9 m=12
